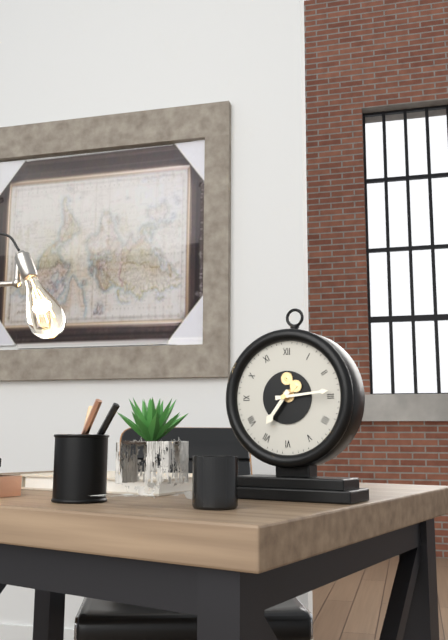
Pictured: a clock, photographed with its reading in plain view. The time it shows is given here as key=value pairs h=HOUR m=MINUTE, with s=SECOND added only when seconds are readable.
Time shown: h=7 m=14
